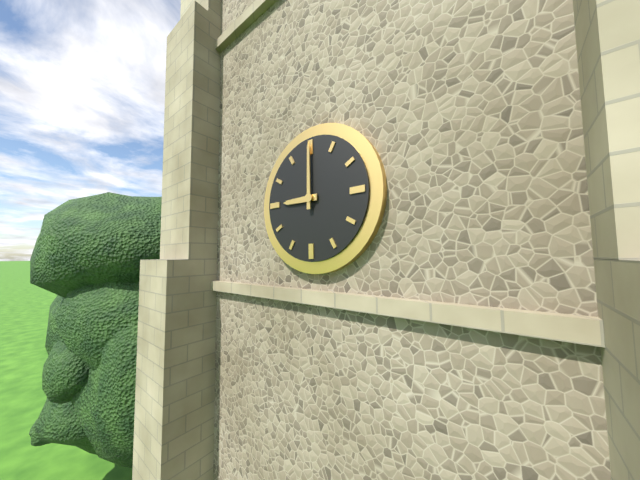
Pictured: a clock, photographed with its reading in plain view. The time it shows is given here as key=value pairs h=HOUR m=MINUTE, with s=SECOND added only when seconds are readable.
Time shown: h=9 m=0
